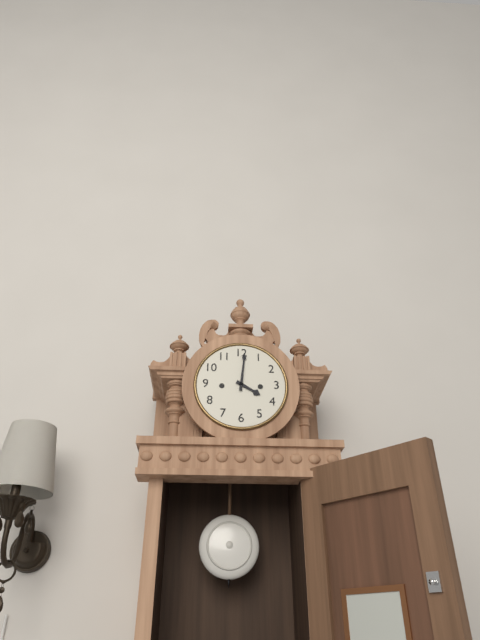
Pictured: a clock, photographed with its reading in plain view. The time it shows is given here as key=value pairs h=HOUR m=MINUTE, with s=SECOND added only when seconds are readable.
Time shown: h=4 m=1
